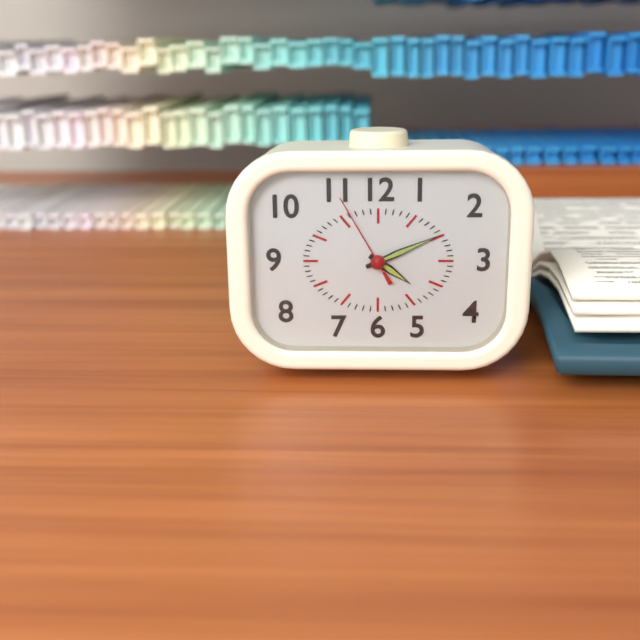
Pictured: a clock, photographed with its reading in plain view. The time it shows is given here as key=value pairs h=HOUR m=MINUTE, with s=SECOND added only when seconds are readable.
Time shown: h=4 m=11 s=55
